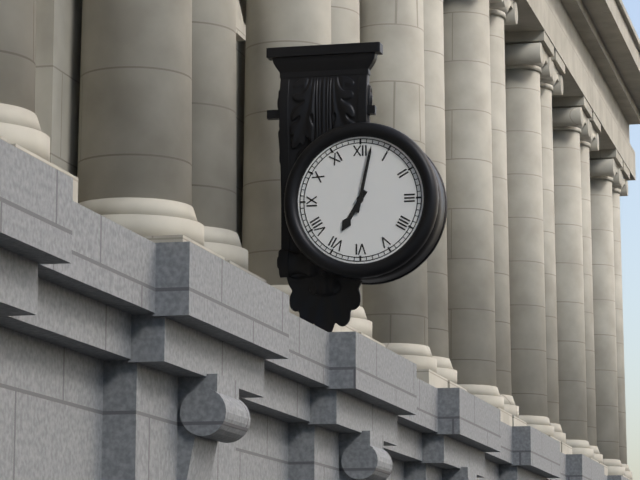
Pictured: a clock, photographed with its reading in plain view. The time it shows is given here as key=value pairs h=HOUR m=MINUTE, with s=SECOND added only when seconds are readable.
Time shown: h=7 m=2
